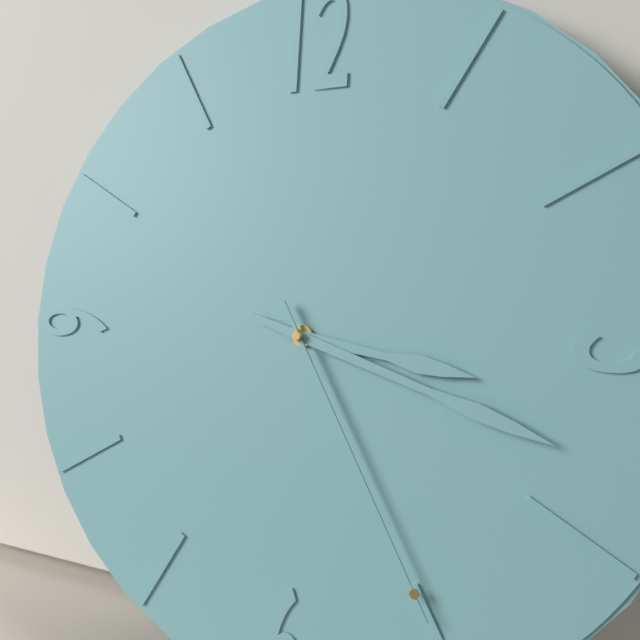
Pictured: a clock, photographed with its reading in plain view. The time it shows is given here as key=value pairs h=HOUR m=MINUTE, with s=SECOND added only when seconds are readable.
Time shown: h=3 m=18 s=25
